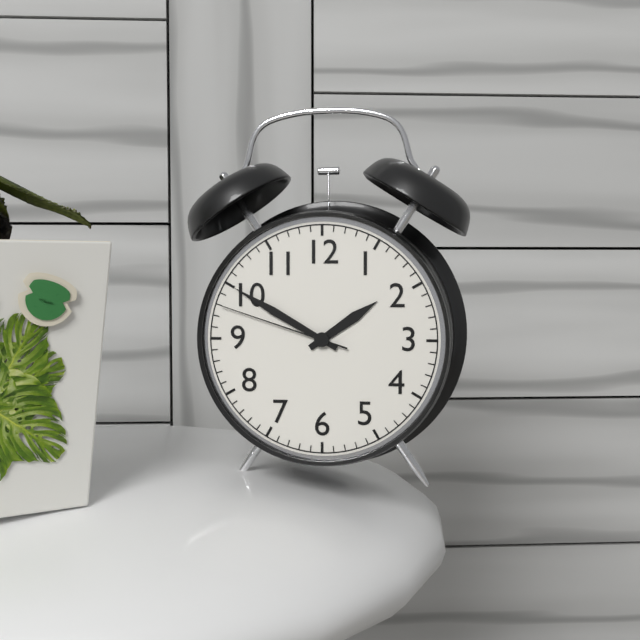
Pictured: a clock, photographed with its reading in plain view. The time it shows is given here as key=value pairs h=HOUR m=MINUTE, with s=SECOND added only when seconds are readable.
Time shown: h=1 m=50 s=48
